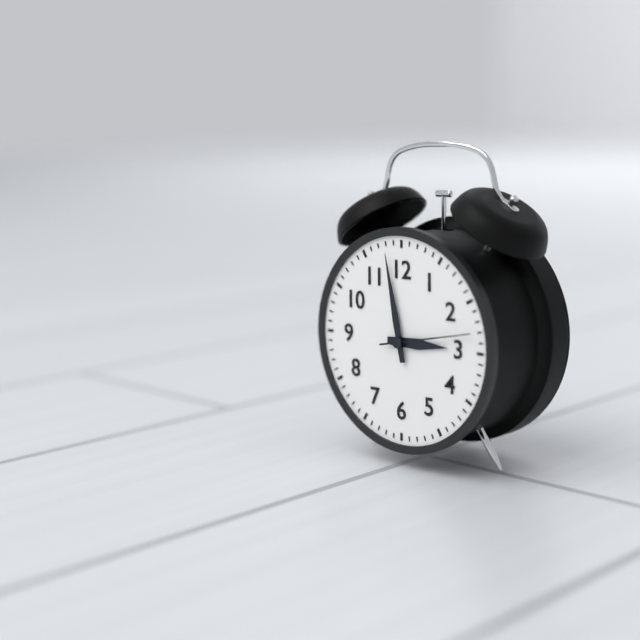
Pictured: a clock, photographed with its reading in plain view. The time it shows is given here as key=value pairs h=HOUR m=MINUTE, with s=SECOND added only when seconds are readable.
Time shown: h=2 m=58 s=13
